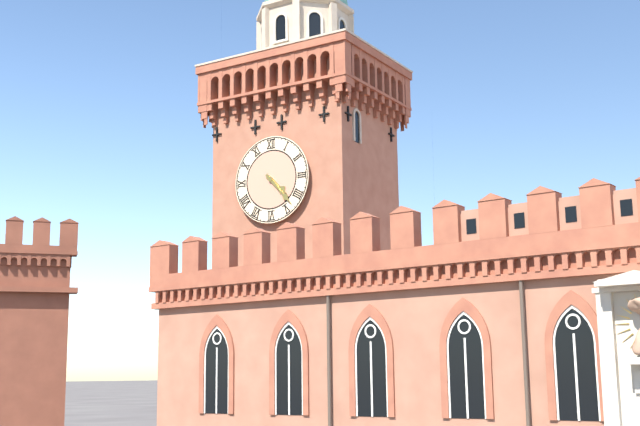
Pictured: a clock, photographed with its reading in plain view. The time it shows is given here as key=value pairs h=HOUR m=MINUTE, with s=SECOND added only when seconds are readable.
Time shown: h=4 m=23
